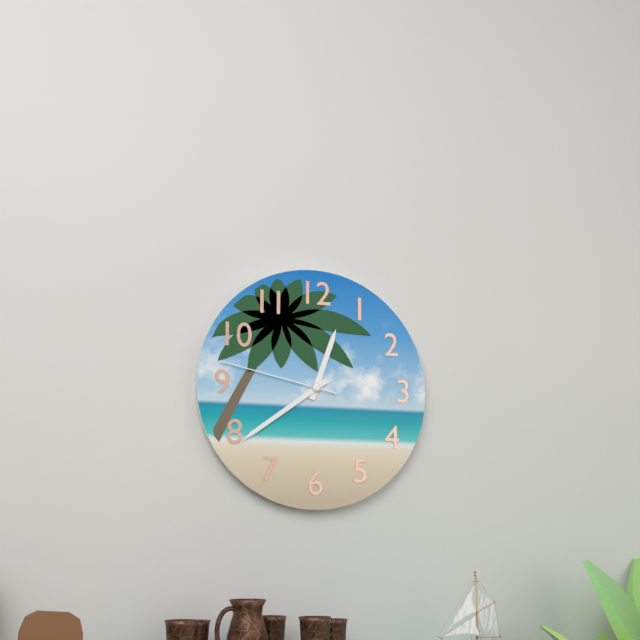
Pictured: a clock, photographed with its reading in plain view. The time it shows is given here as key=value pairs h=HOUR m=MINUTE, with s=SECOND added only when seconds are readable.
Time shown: h=12 m=39 s=47
